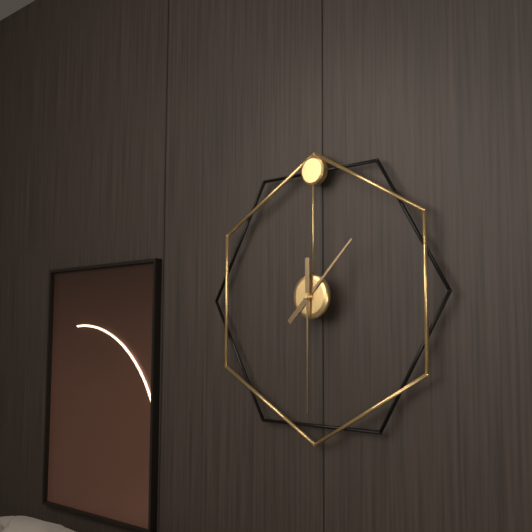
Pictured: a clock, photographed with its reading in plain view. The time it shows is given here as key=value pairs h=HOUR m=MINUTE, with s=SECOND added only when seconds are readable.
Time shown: h=1 m=30
